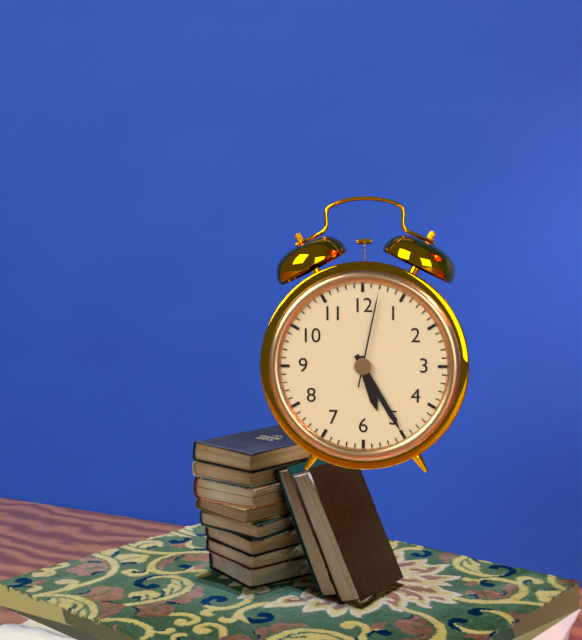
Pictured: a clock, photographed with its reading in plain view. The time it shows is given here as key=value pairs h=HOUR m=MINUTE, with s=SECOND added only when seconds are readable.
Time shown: h=5 m=25 s=2
